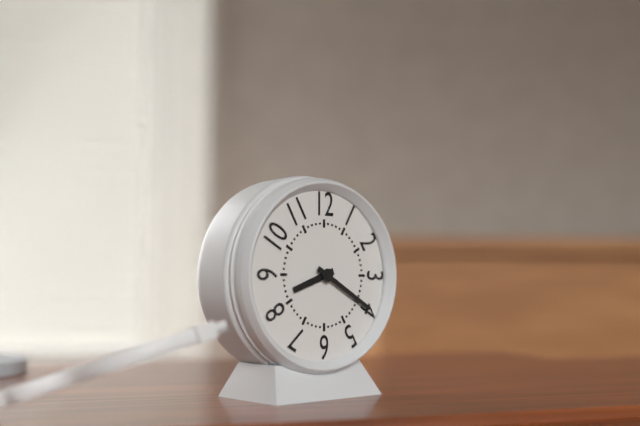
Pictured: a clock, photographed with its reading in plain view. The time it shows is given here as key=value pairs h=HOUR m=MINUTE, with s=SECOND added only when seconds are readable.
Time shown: h=8 m=20
